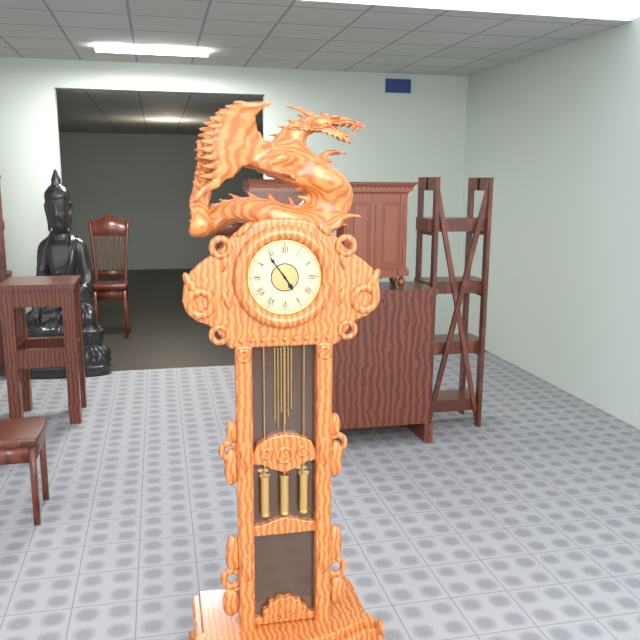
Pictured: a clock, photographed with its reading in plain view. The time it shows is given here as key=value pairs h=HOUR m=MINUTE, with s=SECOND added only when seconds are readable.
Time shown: h=4 m=54
